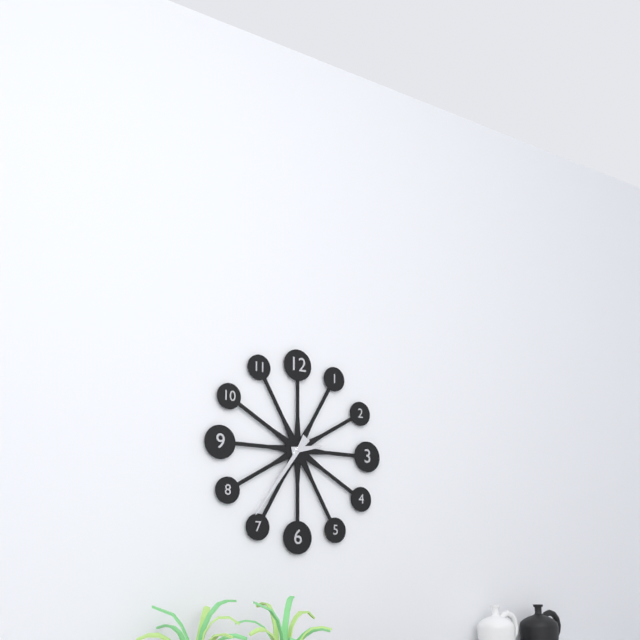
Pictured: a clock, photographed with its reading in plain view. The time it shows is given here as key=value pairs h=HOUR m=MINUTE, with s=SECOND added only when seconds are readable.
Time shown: h=2 m=36
